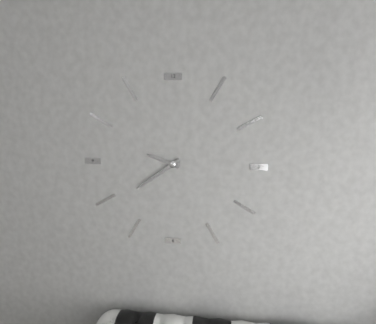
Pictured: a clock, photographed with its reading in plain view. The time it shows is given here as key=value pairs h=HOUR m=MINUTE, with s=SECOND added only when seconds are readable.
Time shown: h=9 m=39
